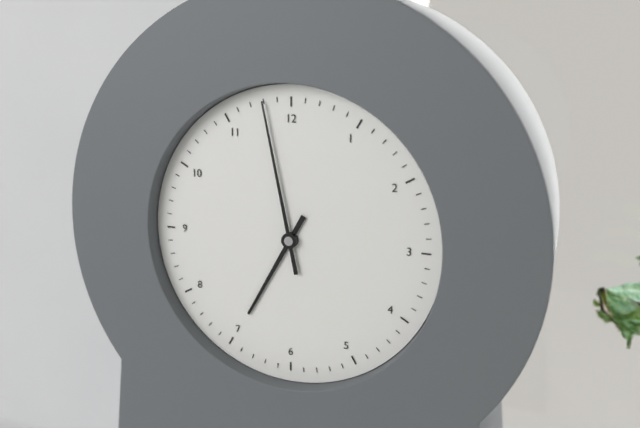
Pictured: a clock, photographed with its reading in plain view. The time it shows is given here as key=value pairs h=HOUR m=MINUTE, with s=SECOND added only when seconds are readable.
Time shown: h=6 m=58
